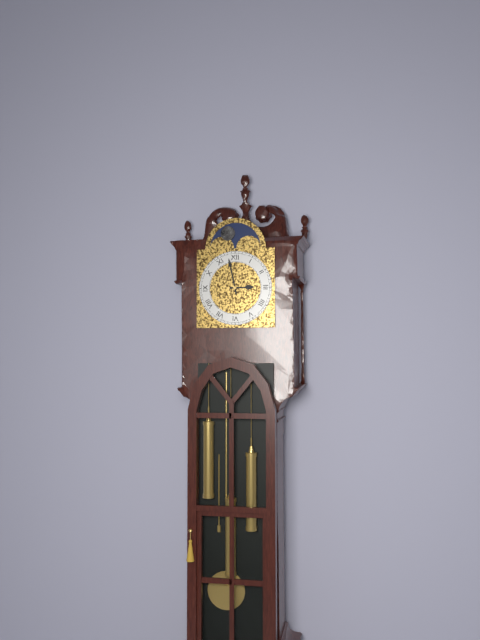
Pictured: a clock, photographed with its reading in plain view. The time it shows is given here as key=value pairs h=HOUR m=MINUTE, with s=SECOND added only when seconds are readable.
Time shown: h=2 m=58
